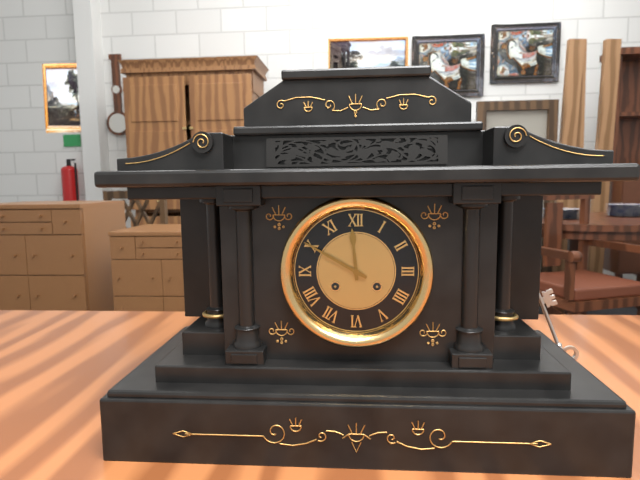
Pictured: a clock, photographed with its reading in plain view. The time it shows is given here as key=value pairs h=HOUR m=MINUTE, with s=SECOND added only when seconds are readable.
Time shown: h=11 m=50
